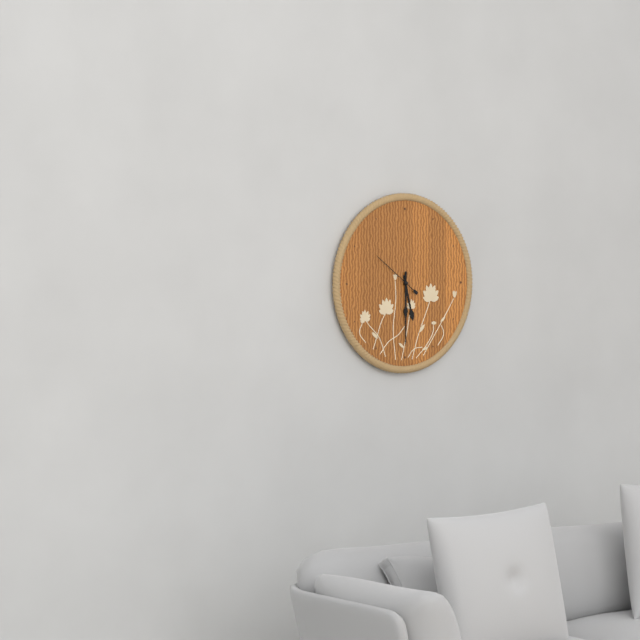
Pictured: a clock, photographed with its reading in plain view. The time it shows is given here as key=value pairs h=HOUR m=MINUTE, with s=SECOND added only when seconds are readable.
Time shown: h=5 m=30
